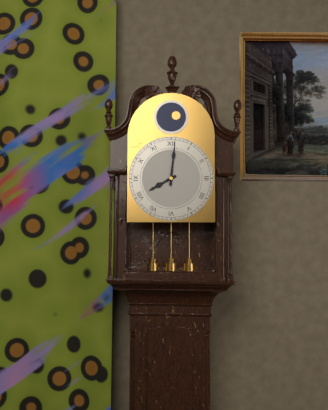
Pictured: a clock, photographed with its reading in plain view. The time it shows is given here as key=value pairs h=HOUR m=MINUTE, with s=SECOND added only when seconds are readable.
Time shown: h=8 m=1
